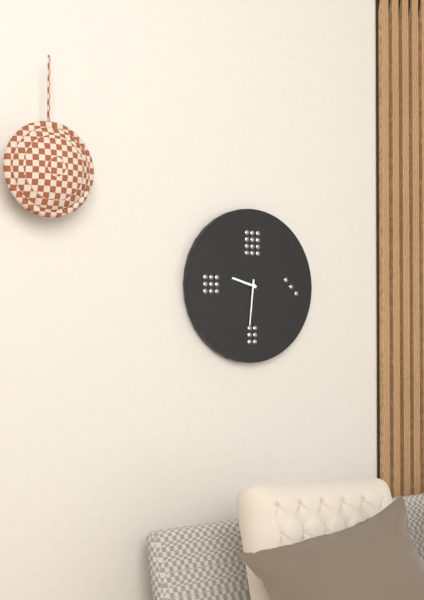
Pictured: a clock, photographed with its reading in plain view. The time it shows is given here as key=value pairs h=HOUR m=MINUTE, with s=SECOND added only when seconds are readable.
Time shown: h=9 m=31
